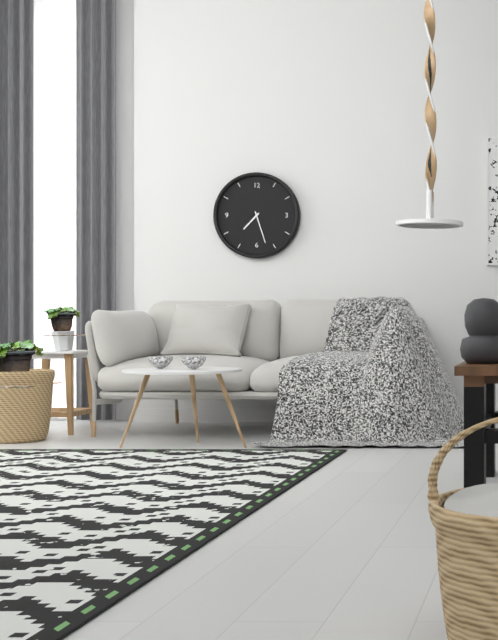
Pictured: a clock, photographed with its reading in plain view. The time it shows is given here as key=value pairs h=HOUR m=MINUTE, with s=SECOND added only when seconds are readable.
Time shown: h=7 m=27
